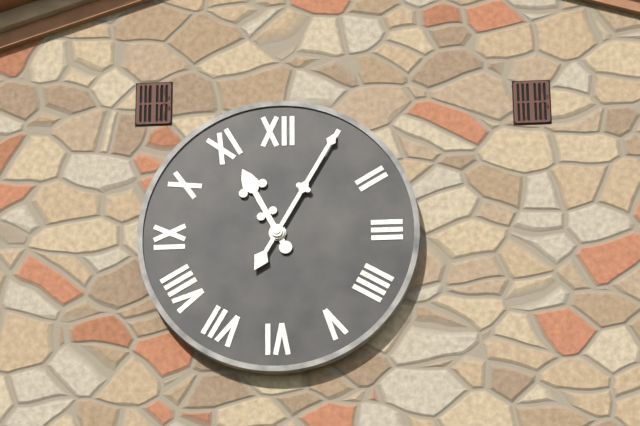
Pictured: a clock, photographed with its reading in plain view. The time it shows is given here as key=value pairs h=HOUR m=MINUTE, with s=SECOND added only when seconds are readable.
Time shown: h=11 m=5
